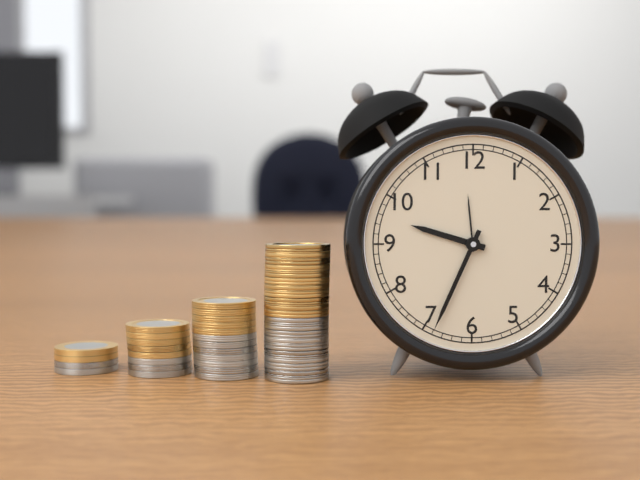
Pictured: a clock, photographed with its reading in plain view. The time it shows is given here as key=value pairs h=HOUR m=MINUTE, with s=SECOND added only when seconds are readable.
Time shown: h=9 m=34
